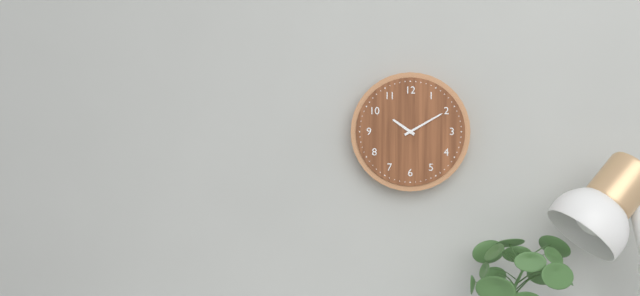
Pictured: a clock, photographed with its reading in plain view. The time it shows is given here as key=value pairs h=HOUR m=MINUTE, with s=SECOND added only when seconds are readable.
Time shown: h=10 m=10
